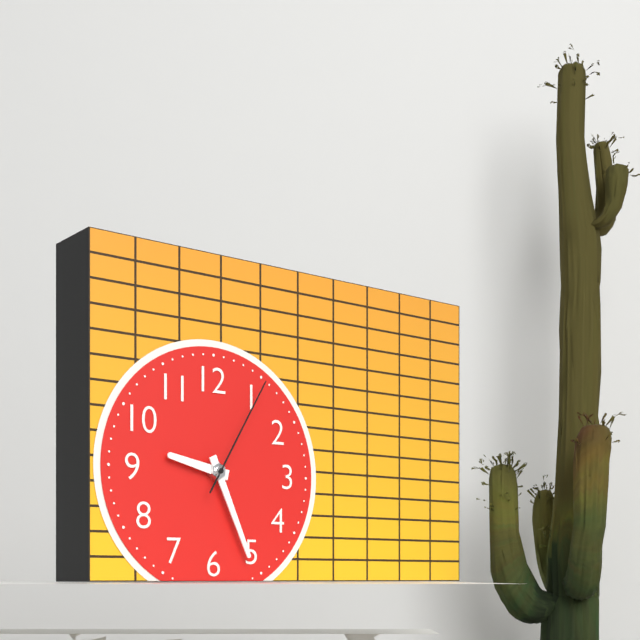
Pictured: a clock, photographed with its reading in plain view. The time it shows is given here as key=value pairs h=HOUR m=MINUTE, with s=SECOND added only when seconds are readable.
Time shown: h=9 m=26 s=5
